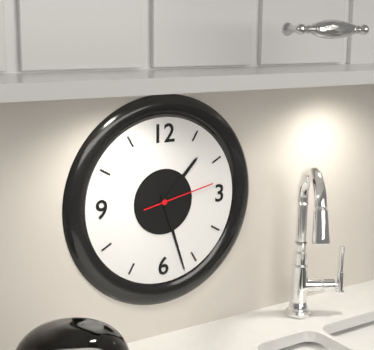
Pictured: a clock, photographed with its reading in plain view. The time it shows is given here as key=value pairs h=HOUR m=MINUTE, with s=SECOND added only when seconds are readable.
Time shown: h=1 m=27 s=13
